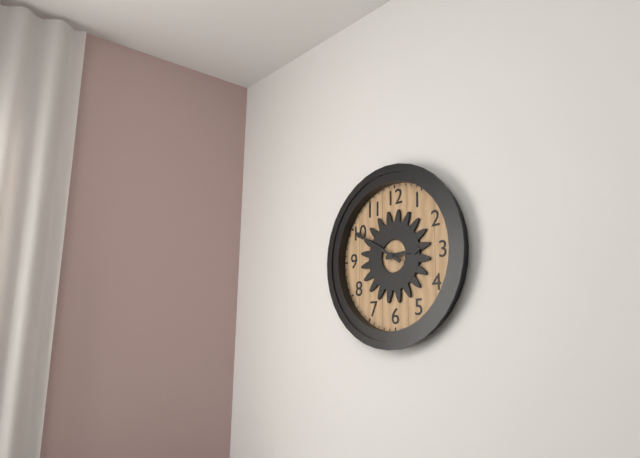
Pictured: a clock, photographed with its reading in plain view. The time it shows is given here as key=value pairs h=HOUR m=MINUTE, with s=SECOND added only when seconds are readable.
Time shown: h=2 m=50
